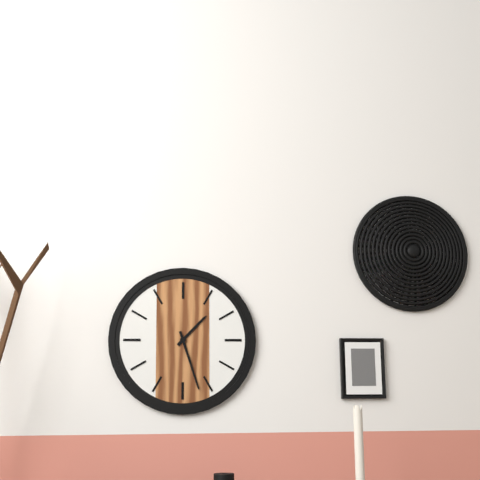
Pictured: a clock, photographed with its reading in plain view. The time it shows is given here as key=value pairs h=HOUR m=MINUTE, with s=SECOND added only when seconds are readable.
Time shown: h=1 m=27
